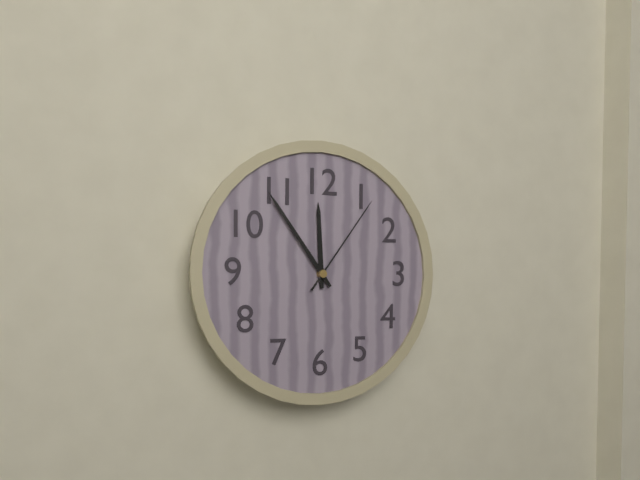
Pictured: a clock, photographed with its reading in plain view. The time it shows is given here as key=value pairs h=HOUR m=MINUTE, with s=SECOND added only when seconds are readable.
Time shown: h=11 m=54 s=6
